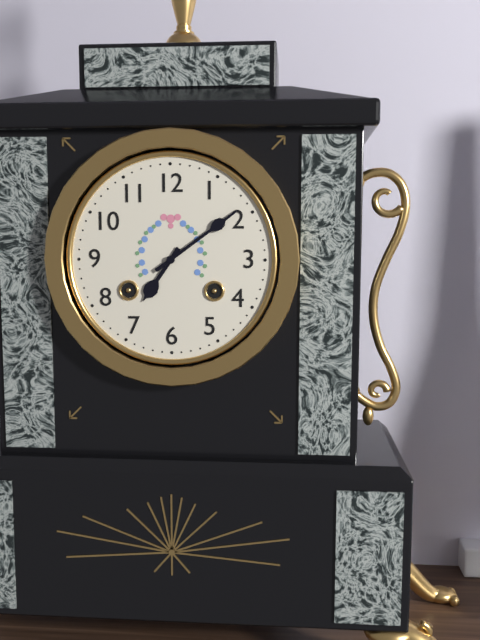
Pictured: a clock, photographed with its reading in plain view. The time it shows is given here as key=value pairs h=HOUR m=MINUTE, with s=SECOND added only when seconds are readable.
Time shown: h=7 m=9
